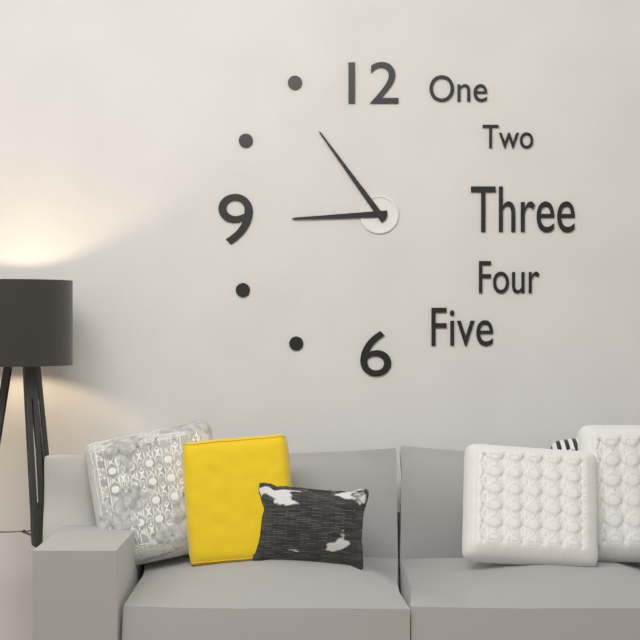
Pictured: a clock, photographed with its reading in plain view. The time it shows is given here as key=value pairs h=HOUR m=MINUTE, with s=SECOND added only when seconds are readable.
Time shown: h=8 m=54
